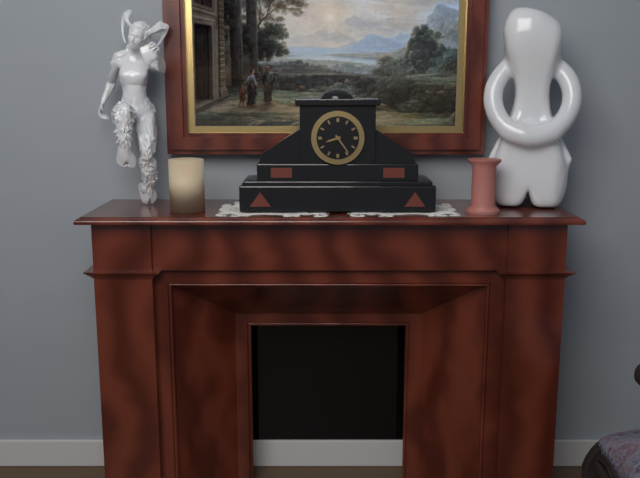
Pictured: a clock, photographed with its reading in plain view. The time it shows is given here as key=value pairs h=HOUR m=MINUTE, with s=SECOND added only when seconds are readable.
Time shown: h=8 m=24
